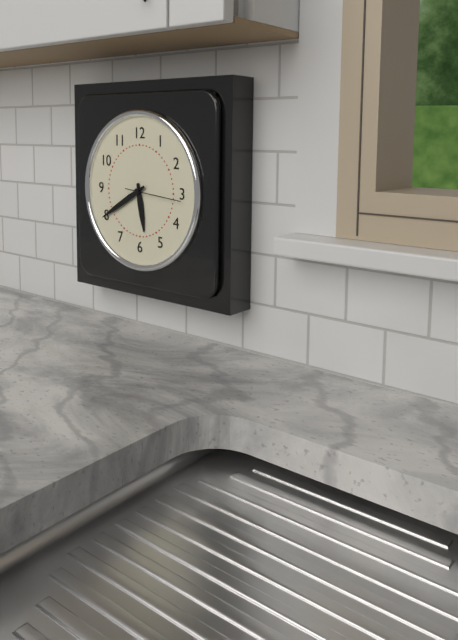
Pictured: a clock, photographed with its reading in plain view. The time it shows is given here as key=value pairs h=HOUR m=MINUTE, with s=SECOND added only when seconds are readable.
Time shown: h=5 m=40 s=16
